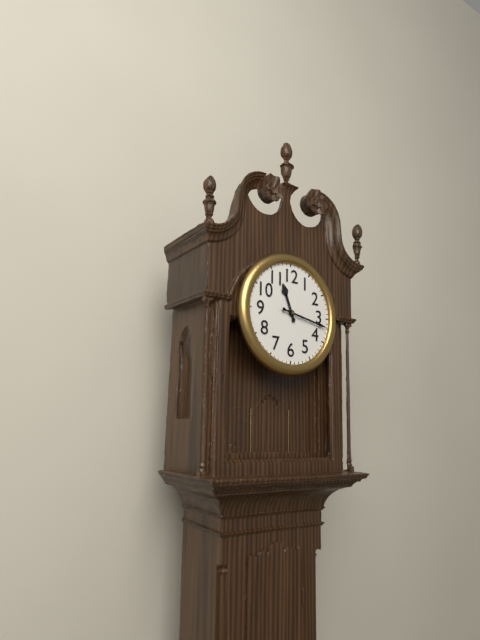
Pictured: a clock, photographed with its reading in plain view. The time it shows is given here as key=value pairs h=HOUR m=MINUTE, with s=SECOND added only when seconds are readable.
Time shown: h=11 m=17
